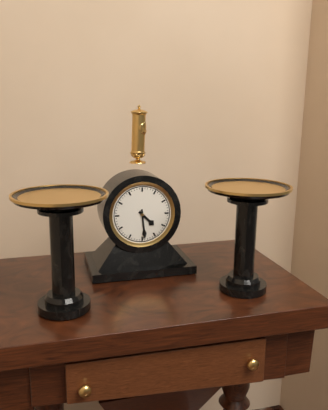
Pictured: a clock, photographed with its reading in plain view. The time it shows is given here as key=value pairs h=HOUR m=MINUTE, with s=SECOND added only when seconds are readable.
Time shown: h=4 m=29
